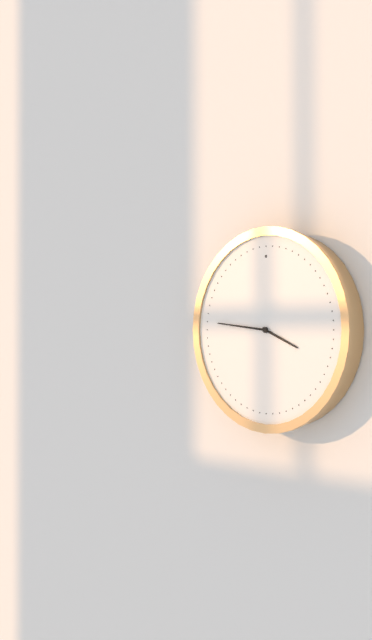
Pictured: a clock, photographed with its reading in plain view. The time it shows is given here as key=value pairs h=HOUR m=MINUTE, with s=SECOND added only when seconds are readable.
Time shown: h=3 m=46
